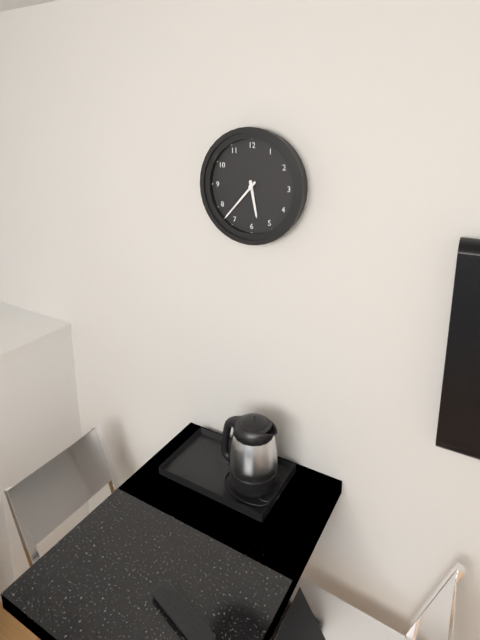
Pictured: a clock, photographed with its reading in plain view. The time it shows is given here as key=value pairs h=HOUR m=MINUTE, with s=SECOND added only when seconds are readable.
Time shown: h=5 m=37
